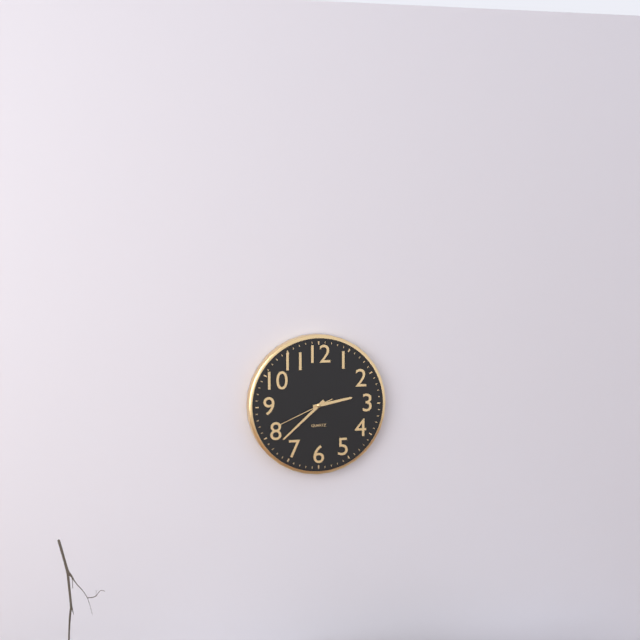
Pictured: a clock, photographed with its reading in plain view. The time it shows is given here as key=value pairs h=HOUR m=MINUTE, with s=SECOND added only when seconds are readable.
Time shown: h=2 m=38 s=41
